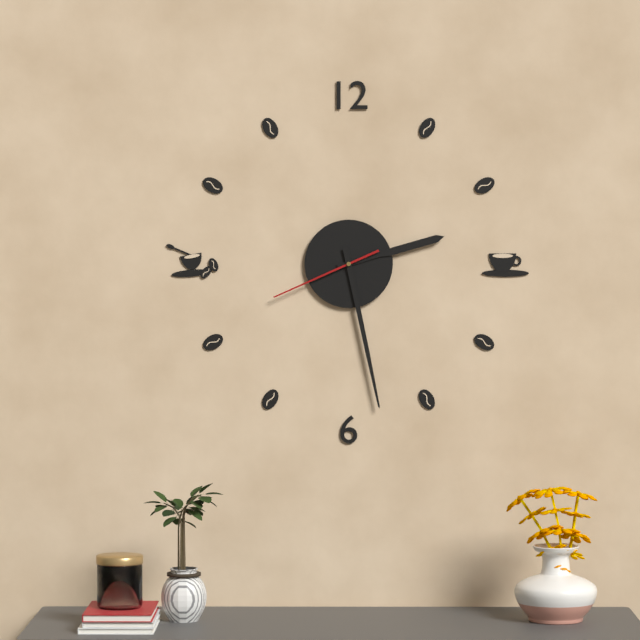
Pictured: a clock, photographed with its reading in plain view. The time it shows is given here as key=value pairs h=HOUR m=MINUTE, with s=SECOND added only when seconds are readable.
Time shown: h=2 m=28 s=41
